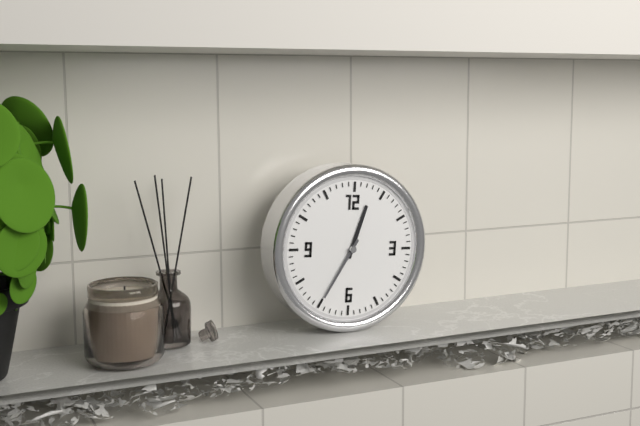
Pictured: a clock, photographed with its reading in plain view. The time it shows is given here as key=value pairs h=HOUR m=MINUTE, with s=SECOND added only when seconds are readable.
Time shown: h=12 m=35
